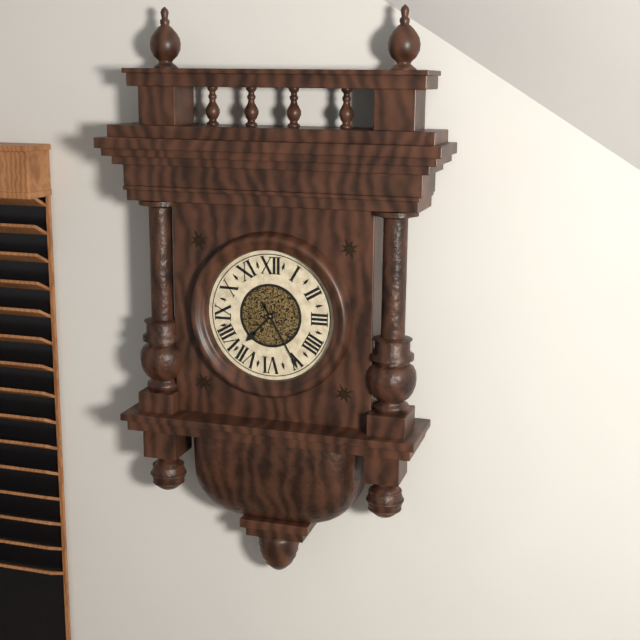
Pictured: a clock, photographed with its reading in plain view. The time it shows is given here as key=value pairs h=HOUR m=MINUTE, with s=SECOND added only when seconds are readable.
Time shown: h=7 m=25
